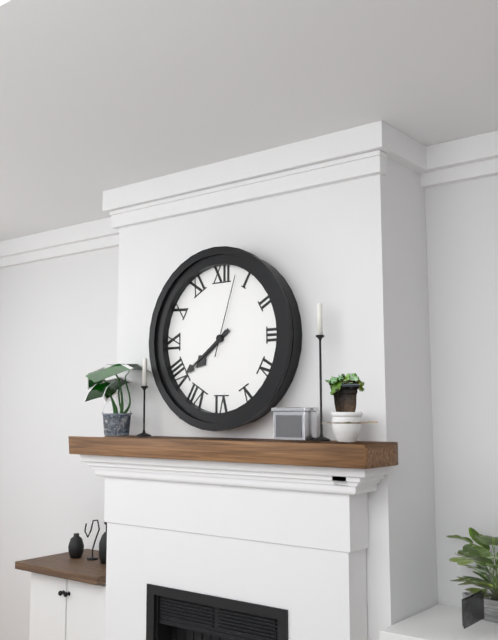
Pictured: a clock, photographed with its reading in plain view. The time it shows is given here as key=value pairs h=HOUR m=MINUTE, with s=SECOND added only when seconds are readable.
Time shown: h=7 m=39 s=3
